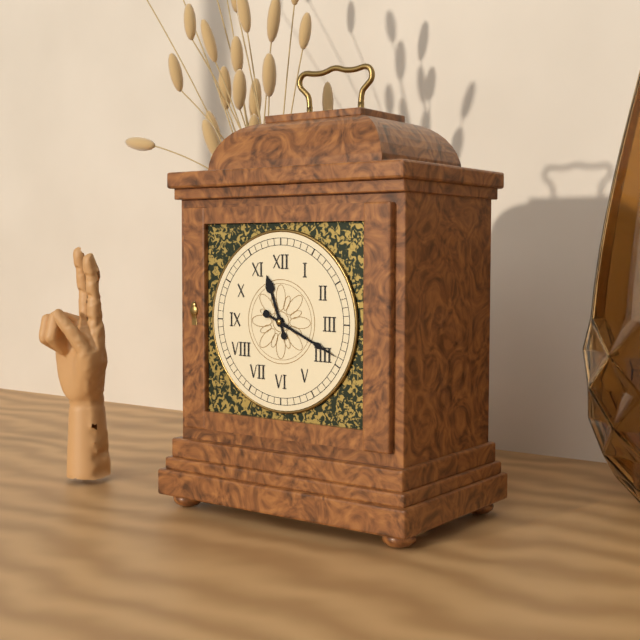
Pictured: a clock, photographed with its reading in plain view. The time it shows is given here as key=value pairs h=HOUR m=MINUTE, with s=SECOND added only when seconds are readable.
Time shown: h=11 m=19
